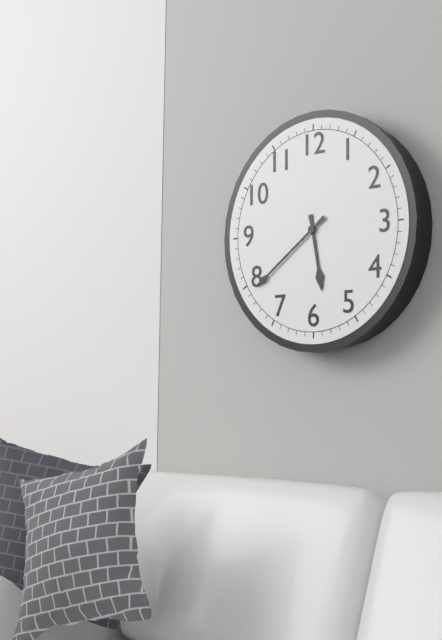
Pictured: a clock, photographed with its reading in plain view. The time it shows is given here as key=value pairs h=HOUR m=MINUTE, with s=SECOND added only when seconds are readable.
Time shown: h=5 m=39
